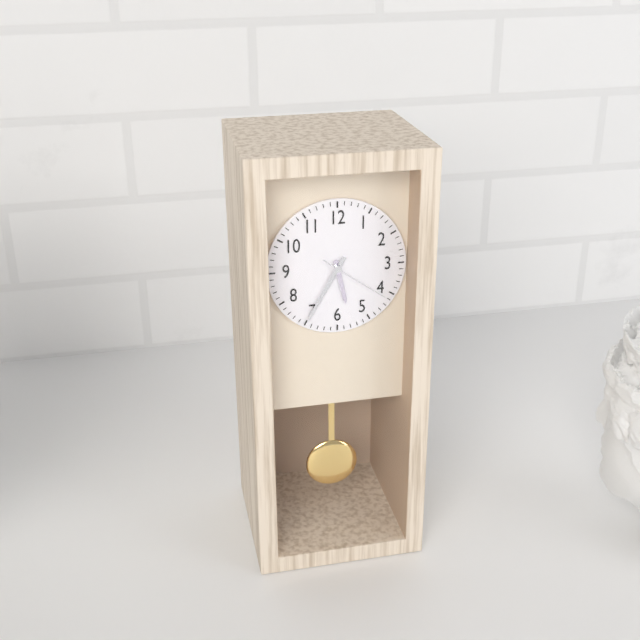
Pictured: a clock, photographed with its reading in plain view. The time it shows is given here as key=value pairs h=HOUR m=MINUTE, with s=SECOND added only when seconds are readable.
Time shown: h=5 m=35 s=21
